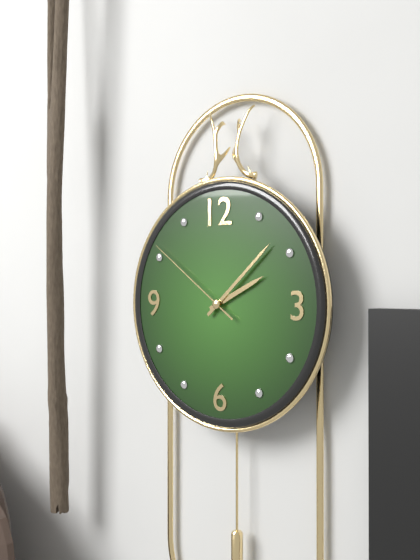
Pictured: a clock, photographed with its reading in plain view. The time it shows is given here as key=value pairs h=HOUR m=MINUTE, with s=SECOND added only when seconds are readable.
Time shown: h=2 m=8 s=51
